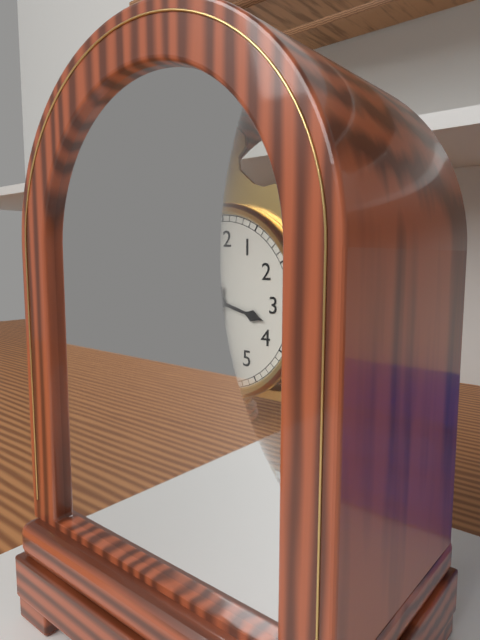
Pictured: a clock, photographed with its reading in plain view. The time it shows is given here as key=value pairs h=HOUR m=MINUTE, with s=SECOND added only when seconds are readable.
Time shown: h=3 m=30
